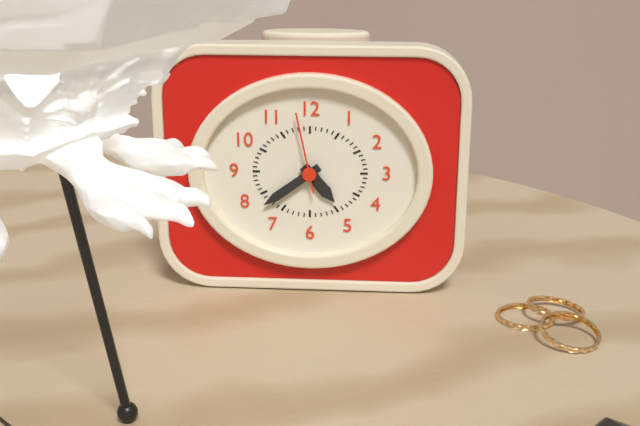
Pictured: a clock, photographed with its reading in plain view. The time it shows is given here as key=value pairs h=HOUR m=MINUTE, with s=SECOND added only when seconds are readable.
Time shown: h=4 m=39 s=58
